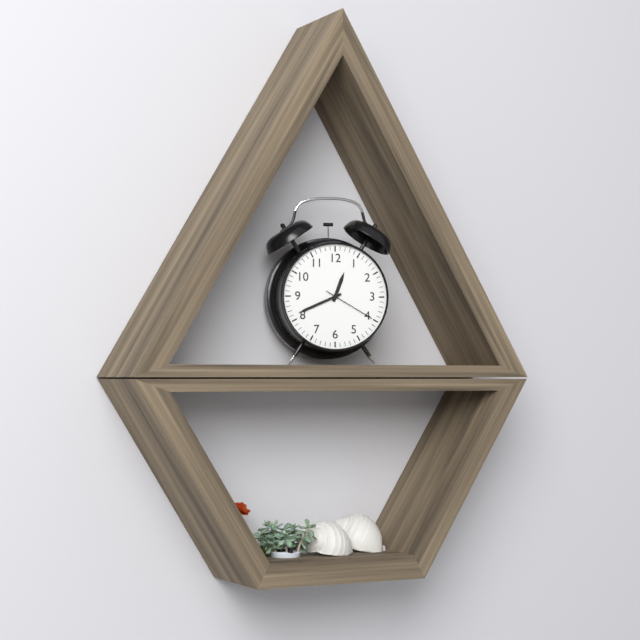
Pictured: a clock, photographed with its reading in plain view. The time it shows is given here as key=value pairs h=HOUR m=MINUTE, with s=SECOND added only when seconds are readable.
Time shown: h=12 m=41 s=20
